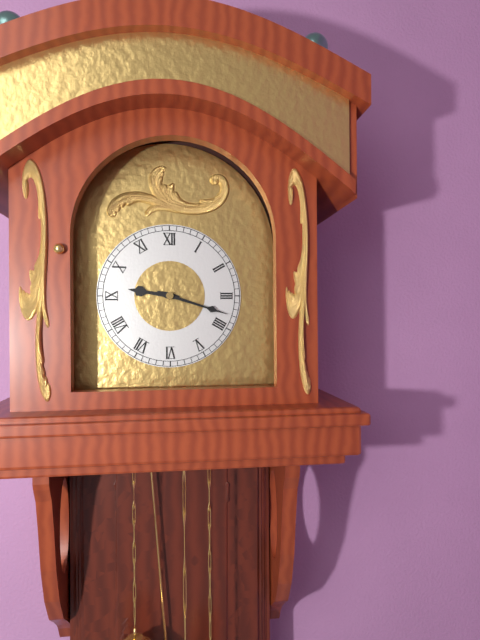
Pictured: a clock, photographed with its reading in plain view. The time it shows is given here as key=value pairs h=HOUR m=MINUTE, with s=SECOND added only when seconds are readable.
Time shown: h=9 m=18
